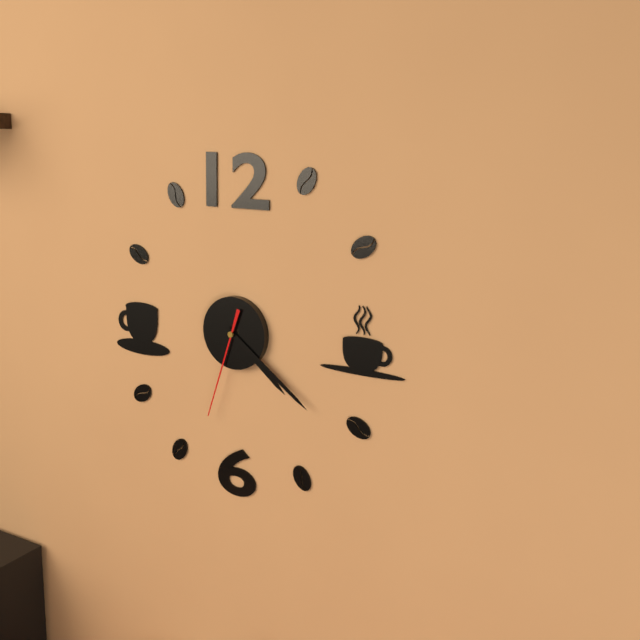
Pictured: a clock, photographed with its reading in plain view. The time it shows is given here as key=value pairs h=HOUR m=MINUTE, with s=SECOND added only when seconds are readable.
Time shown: h=4 m=21 s=33
